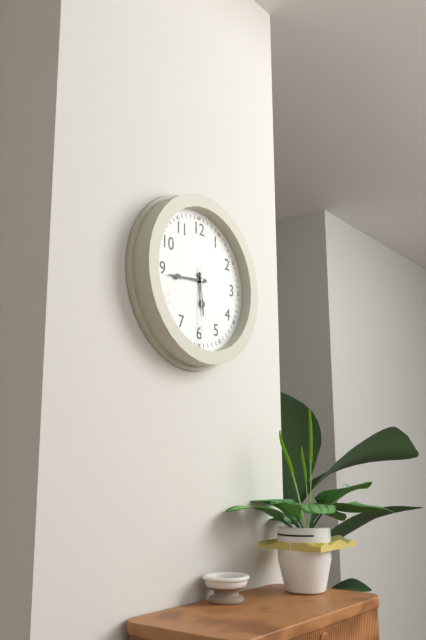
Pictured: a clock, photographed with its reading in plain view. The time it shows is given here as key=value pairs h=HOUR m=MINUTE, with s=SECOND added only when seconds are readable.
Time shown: h=5 m=44 s=30
